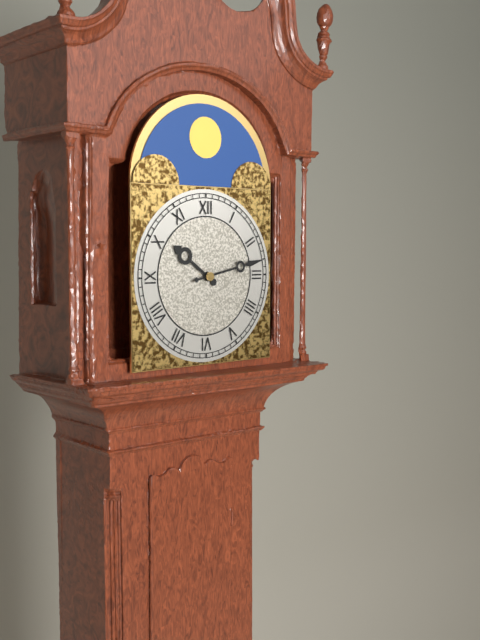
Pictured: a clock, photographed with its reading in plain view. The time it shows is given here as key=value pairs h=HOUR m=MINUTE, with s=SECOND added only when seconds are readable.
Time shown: h=10 m=13
